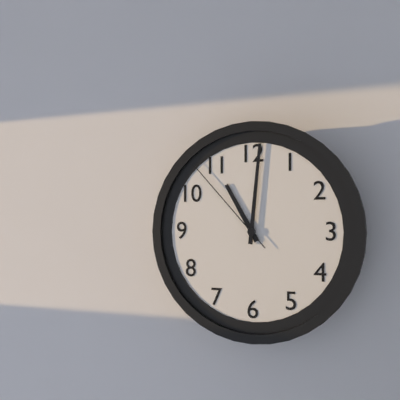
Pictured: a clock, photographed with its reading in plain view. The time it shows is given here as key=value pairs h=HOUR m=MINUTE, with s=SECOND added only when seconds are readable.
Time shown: h=11 m=1 s=53
